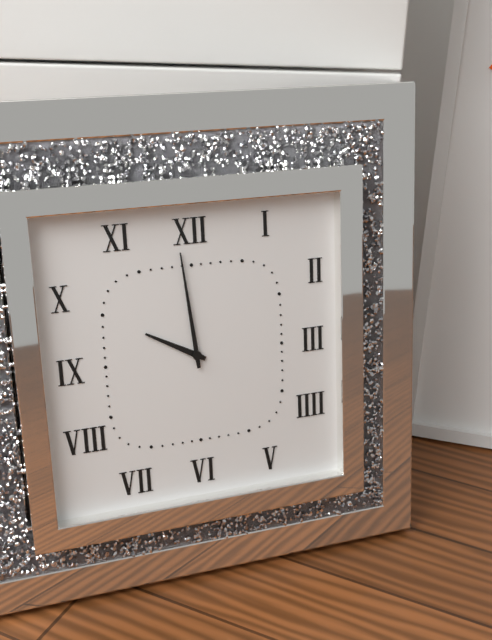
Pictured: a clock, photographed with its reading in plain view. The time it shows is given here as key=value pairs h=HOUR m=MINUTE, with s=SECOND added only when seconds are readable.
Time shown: h=9 m=59
